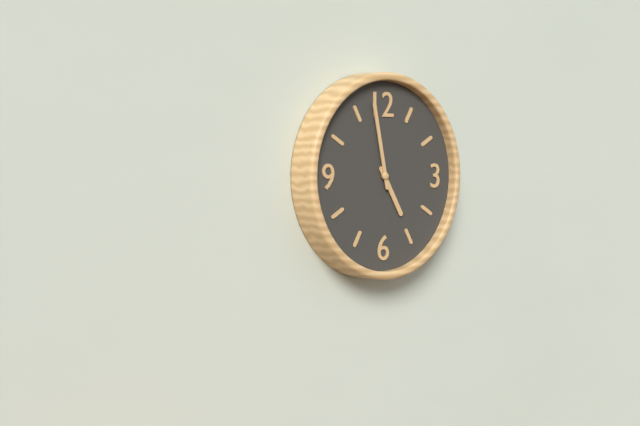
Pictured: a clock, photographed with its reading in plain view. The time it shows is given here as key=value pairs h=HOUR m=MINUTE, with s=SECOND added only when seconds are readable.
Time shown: h=4 m=58
